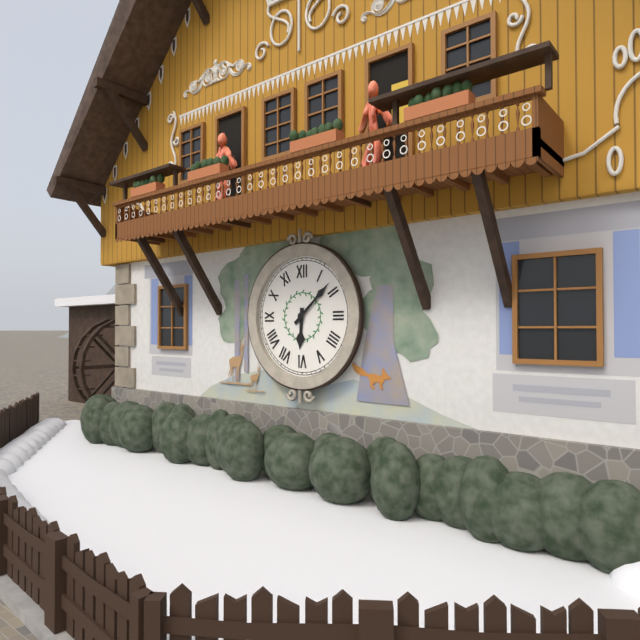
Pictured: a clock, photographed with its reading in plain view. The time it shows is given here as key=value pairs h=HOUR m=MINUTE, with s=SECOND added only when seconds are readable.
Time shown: h=6 m=8
